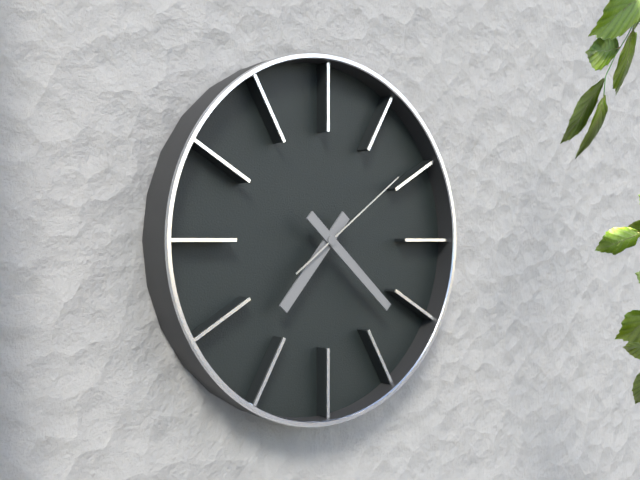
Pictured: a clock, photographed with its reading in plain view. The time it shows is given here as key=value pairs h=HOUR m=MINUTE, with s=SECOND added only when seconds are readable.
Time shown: h=7 m=22 s=9
